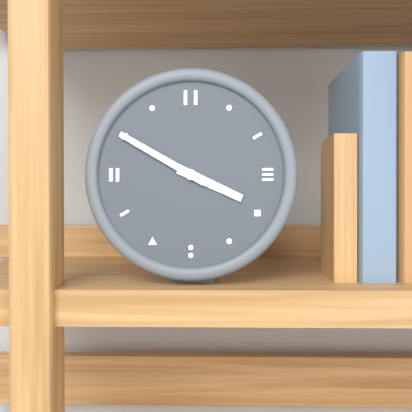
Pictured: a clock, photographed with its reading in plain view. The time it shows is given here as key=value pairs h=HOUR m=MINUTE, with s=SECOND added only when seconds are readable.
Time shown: h=3 m=50
